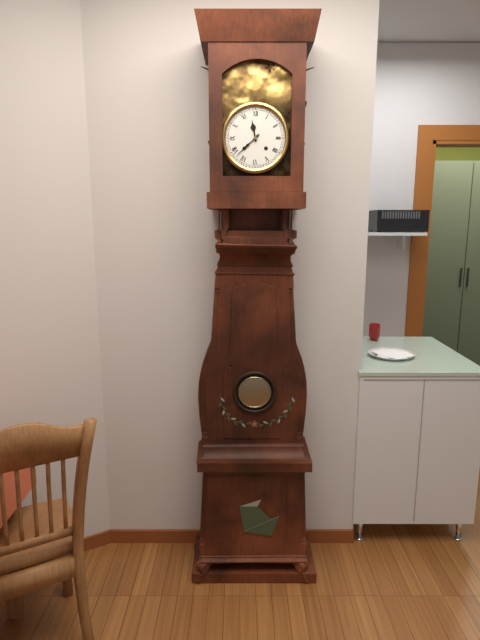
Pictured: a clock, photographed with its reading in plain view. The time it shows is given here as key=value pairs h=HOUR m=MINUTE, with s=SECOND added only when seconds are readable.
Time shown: h=11 m=38
